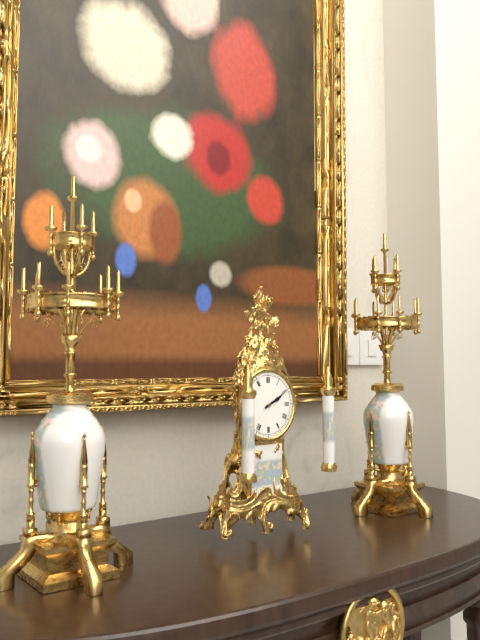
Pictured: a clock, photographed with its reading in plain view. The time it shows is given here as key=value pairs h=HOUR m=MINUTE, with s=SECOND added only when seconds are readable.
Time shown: h=2 m=10
